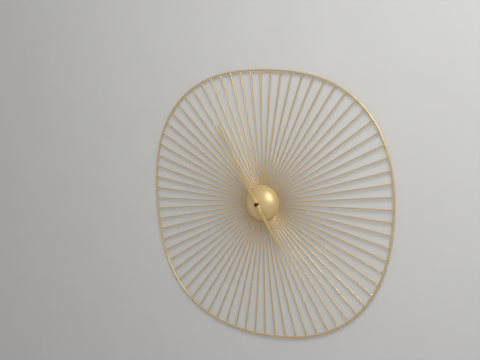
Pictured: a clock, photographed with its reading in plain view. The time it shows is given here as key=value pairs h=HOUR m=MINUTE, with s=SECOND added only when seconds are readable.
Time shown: h=4 m=55
